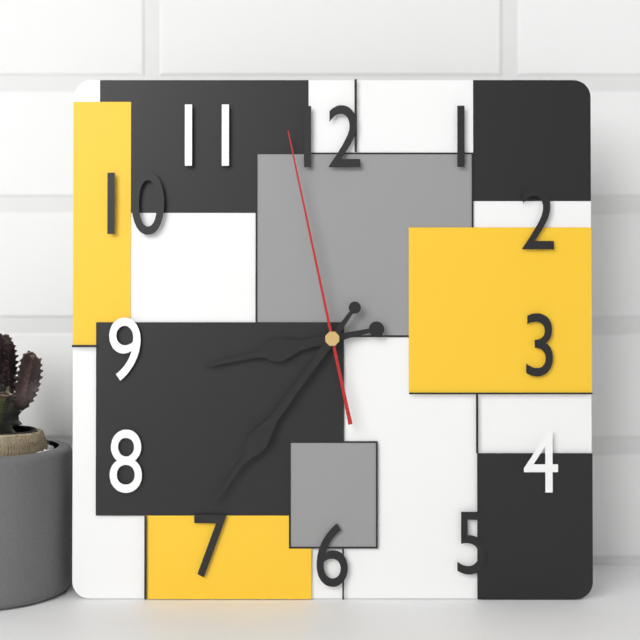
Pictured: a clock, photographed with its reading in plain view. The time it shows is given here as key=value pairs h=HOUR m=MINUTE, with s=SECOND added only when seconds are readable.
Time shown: h=8 m=36 s=58
